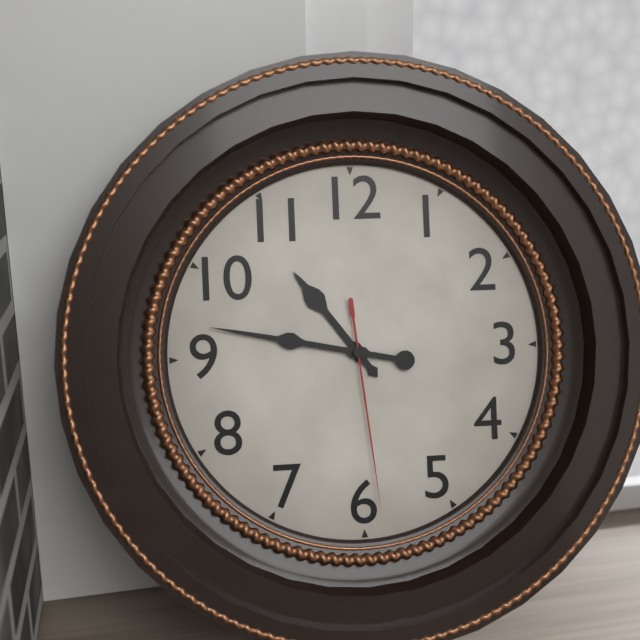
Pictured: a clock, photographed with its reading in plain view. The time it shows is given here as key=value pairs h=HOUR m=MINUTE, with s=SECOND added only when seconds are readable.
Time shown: h=10 m=47 s=29
